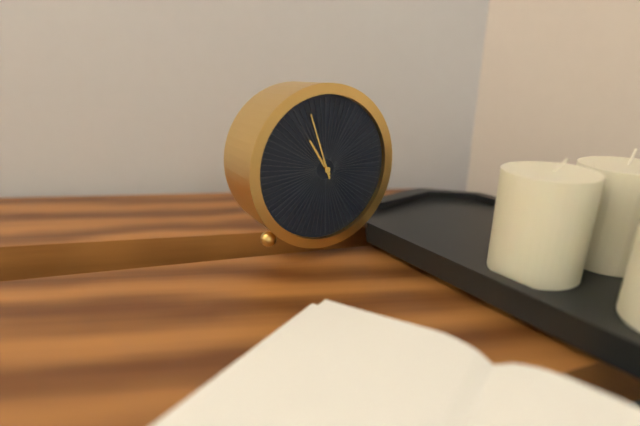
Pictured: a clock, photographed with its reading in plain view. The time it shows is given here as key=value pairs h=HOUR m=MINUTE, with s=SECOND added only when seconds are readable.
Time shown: h=10 m=57
